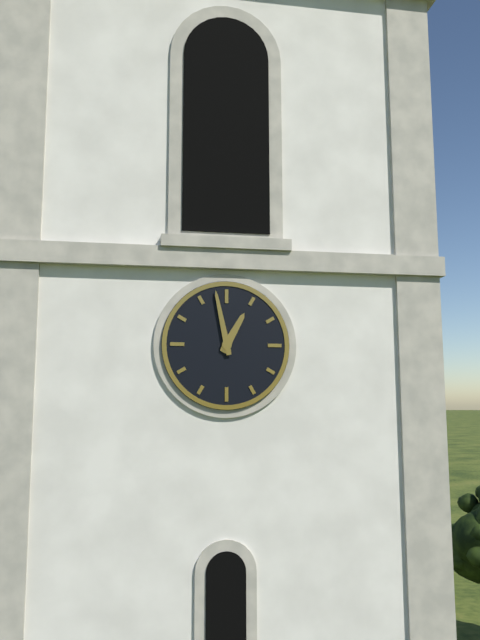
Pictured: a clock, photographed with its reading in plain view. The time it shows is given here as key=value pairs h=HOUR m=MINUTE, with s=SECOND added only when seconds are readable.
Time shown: h=12 m=58
